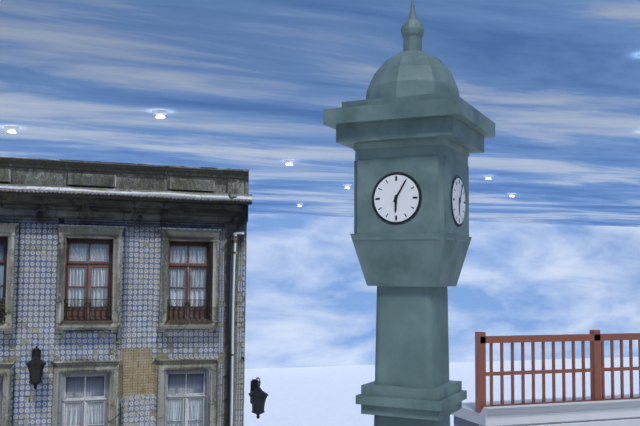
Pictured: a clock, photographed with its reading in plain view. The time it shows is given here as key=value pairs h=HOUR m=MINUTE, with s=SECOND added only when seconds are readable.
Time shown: h=6 m=5
